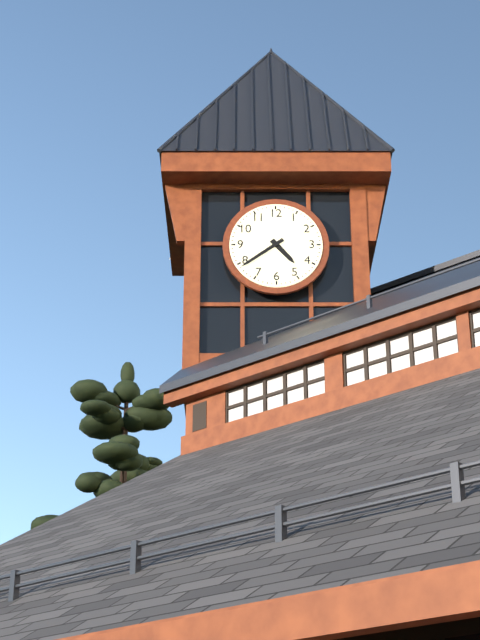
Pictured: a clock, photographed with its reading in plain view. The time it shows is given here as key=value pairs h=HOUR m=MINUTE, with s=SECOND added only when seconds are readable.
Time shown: h=4 m=39
